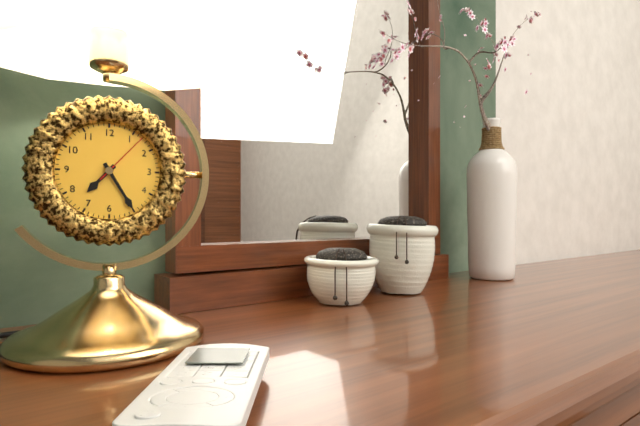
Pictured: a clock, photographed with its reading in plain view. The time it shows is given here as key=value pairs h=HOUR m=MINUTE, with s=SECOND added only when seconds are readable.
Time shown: h=7 m=25 s=7
